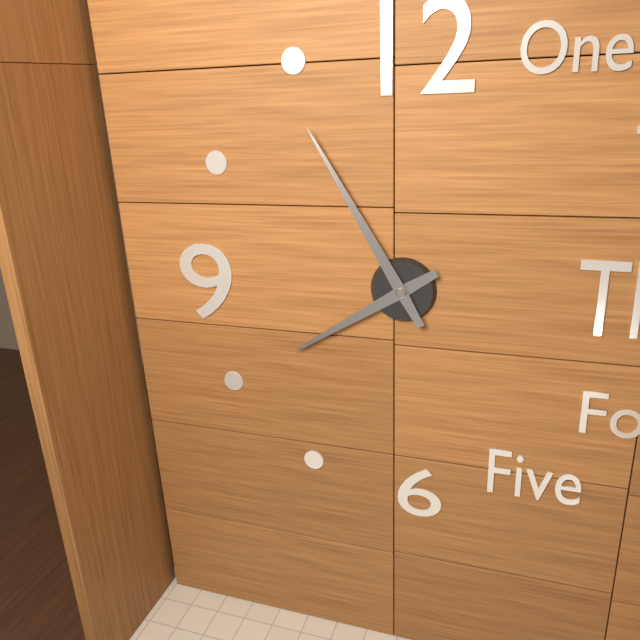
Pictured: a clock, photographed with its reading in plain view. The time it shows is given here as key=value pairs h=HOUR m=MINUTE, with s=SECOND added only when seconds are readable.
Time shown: h=7 m=55
